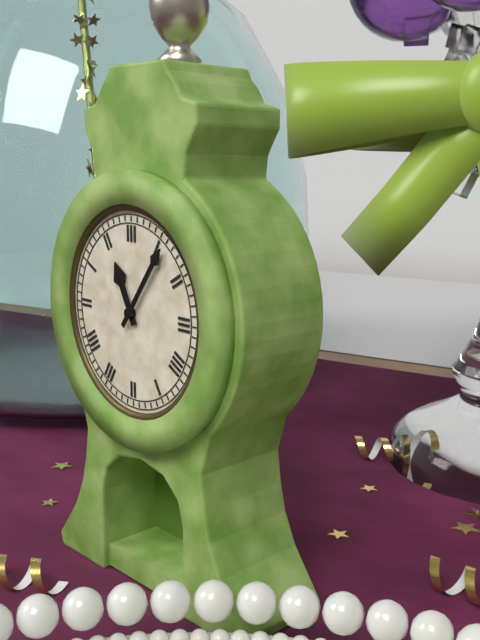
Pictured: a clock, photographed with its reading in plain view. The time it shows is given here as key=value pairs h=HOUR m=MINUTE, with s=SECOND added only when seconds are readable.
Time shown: h=11 m=6
